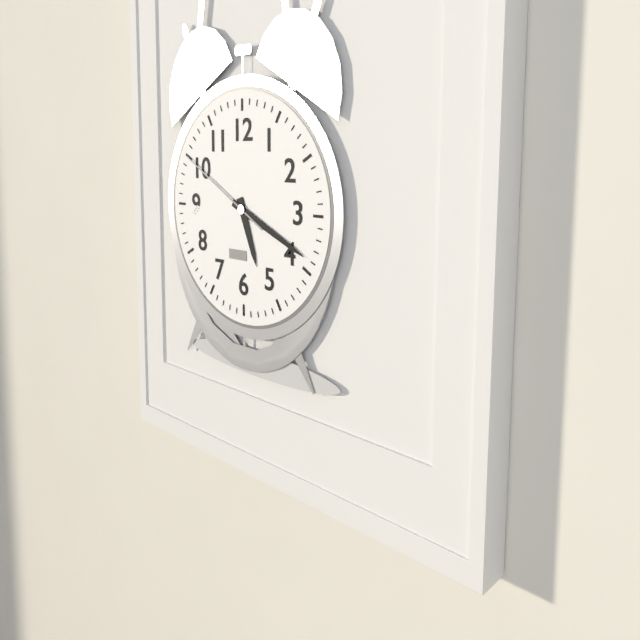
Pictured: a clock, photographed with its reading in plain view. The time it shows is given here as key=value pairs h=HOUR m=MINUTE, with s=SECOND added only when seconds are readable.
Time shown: h=5 m=19 s=50
